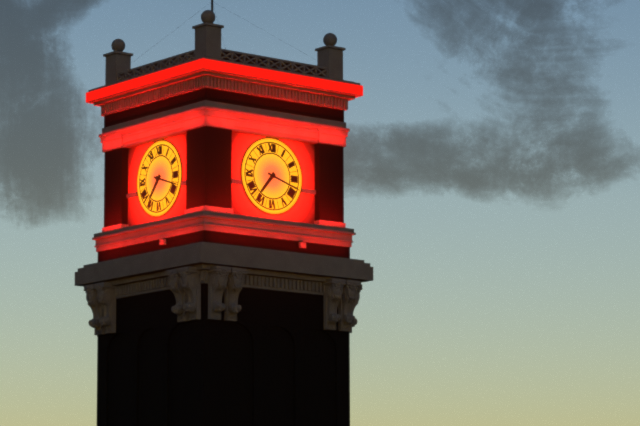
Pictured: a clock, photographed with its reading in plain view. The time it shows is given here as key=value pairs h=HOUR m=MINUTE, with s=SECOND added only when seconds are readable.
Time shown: h=7 m=18
